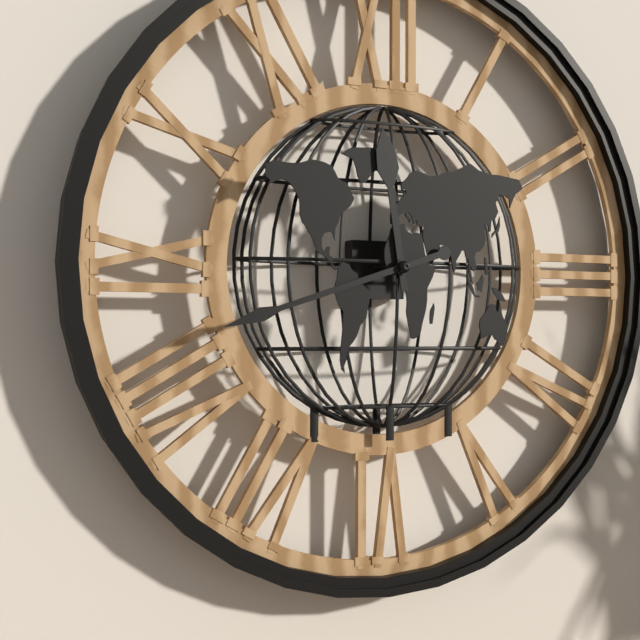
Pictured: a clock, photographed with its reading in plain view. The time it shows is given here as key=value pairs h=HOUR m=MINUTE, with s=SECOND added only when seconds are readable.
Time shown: h=11 m=42
